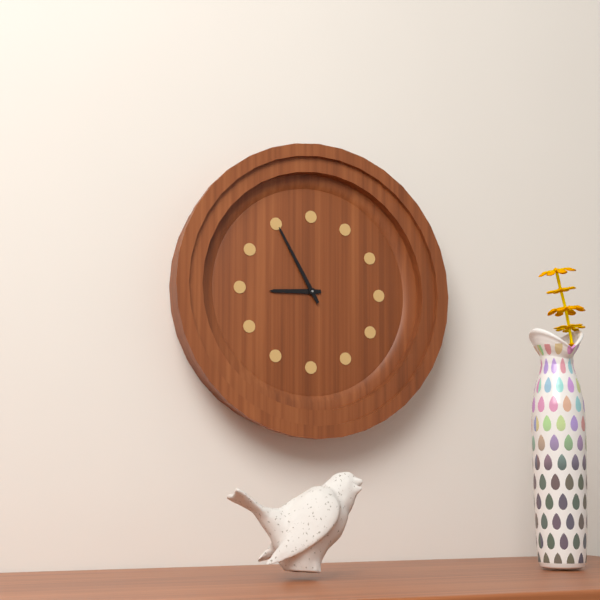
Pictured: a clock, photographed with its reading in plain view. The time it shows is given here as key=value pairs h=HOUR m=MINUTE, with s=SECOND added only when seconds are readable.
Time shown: h=8 m=55
